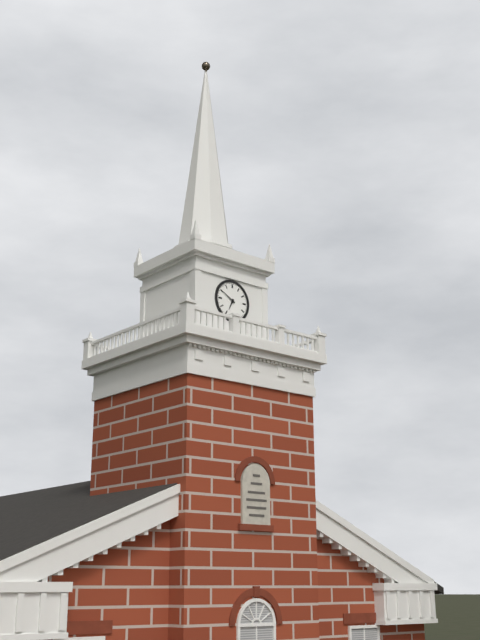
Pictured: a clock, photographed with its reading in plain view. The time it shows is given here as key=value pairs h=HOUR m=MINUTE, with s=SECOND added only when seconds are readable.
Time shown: h=6 m=50
